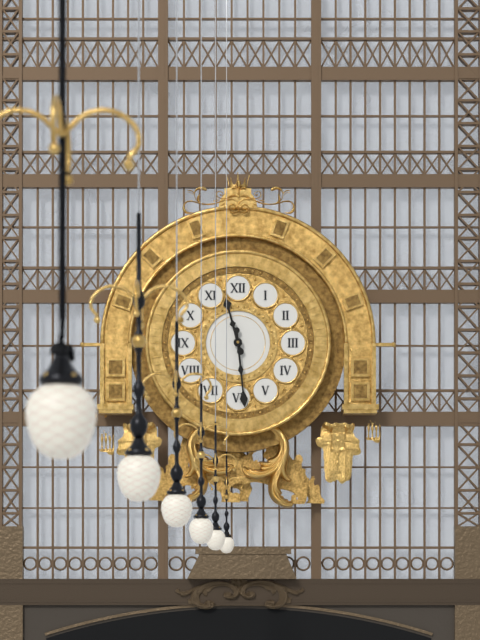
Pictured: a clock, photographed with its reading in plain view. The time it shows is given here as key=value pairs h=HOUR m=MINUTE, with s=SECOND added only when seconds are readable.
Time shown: h=11 m=29
